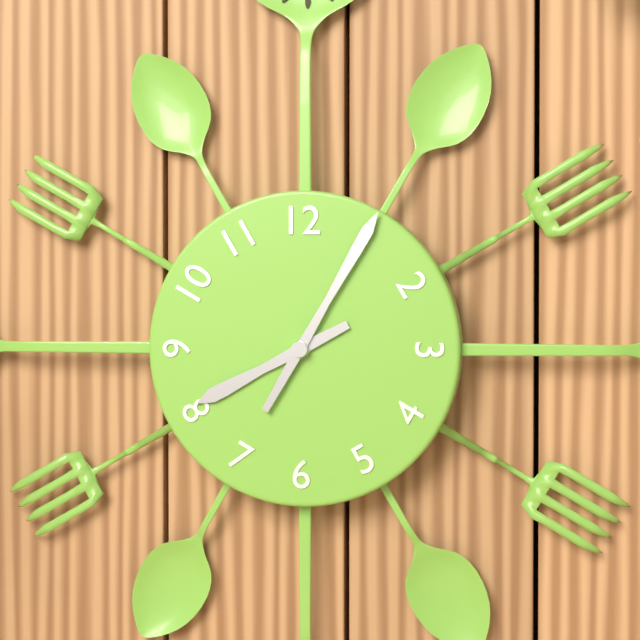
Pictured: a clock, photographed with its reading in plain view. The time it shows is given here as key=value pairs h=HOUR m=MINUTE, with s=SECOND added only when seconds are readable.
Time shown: h=8 m=5
